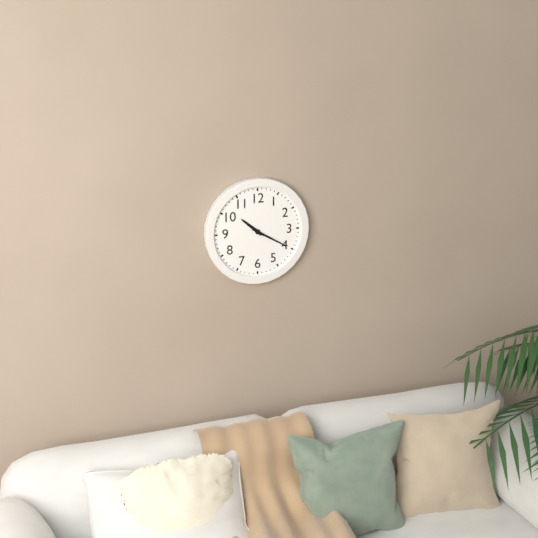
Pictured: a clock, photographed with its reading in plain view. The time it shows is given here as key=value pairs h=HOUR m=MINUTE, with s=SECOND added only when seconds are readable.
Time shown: h=10 m=20
